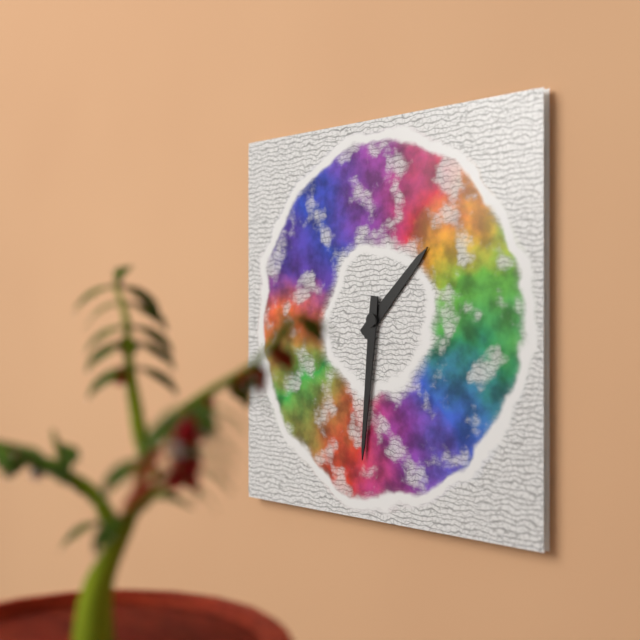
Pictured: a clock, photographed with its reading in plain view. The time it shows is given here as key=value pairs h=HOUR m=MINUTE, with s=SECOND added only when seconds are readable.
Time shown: h=1 m=31
